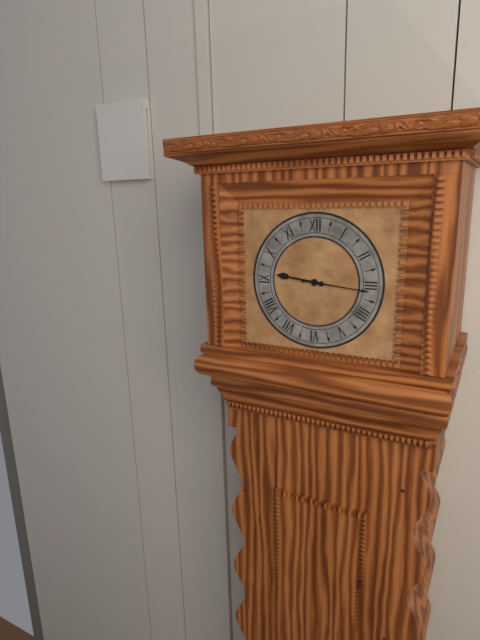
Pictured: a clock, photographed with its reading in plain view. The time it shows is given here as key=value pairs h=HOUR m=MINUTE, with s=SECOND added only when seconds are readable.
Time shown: h=9 m=16
